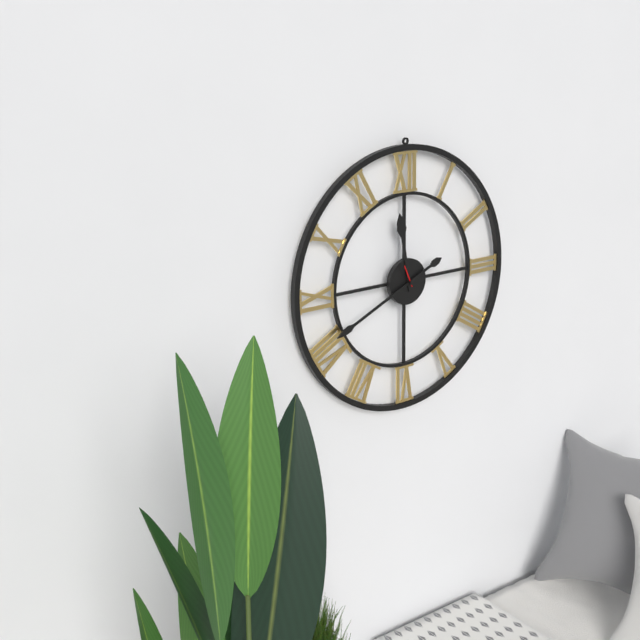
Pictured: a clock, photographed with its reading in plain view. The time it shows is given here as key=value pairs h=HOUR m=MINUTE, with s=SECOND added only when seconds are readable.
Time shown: h=11 m=41
